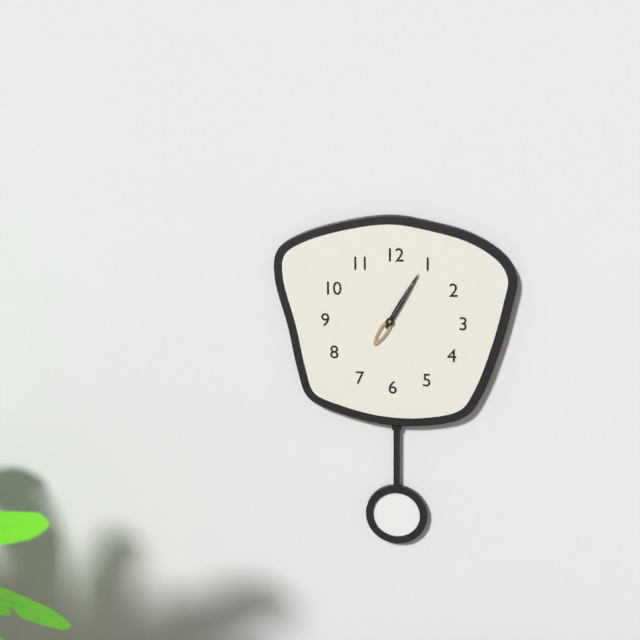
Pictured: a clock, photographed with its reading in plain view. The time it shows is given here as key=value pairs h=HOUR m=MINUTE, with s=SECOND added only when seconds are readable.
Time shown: h=7 m=5
